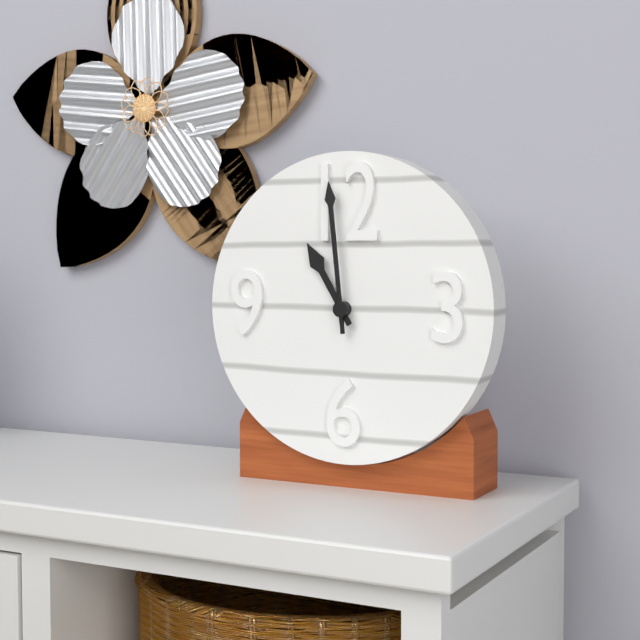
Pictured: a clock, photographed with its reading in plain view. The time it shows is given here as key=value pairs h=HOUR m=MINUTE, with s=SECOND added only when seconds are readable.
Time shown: h=10 m=59
